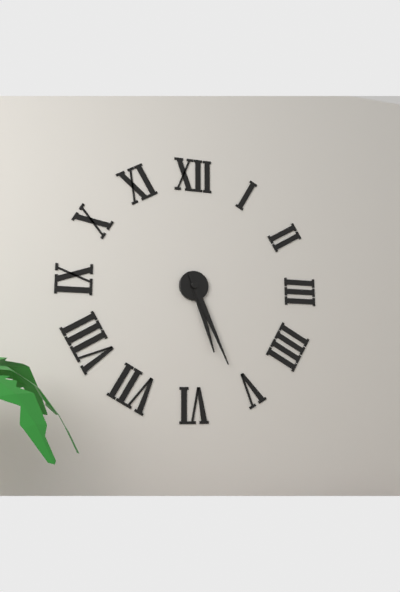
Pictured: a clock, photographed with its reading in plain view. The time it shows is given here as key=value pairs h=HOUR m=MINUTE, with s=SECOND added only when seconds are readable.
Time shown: h=5 m=26
